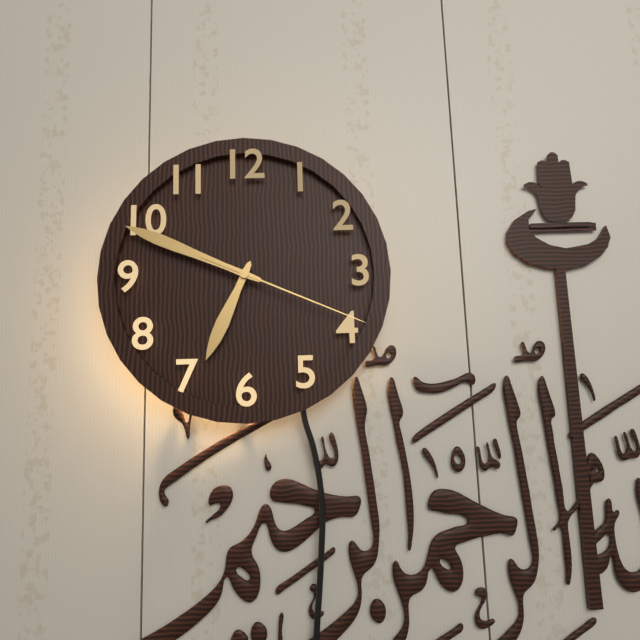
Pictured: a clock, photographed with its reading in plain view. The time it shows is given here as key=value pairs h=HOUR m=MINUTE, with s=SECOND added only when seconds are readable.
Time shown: h=6 m=49 s=19
